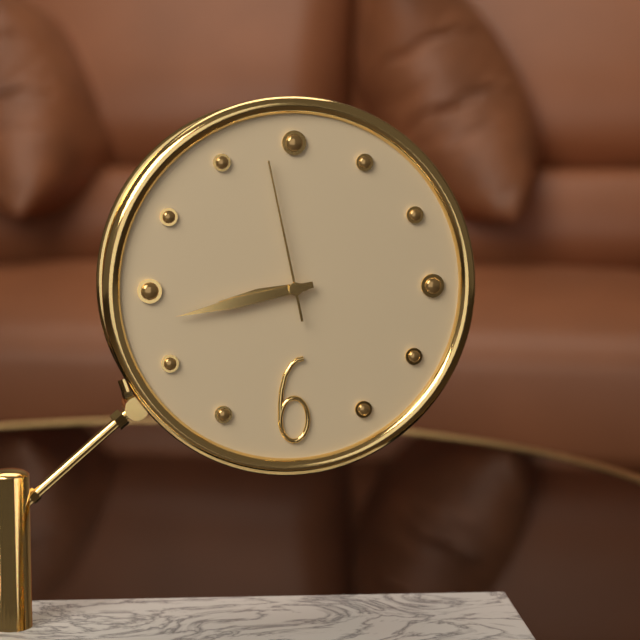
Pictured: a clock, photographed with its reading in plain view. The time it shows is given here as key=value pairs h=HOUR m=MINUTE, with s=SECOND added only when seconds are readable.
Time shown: h=8 m=43 s=58
